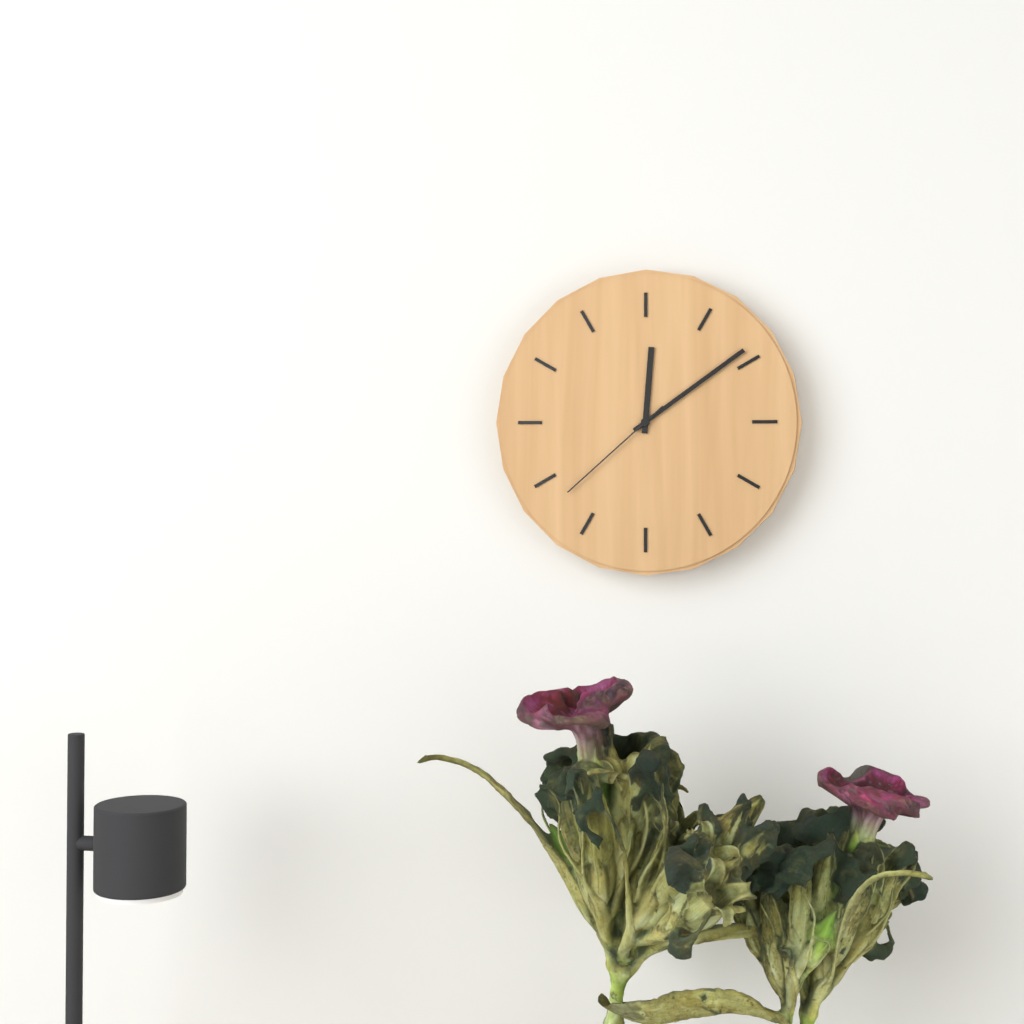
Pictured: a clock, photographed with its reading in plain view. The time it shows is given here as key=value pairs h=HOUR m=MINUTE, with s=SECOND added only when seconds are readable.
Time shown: h=12 m=9 s=38
